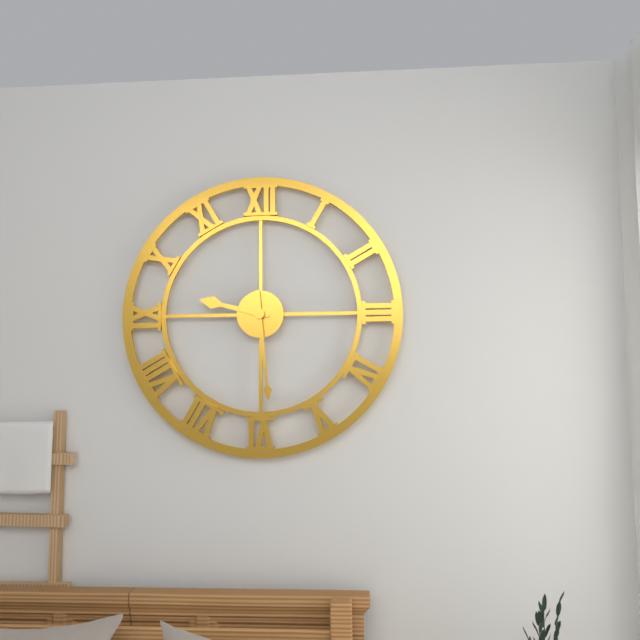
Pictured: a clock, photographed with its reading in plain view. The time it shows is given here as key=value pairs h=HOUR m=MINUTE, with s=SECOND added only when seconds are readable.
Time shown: h=9 m=29
